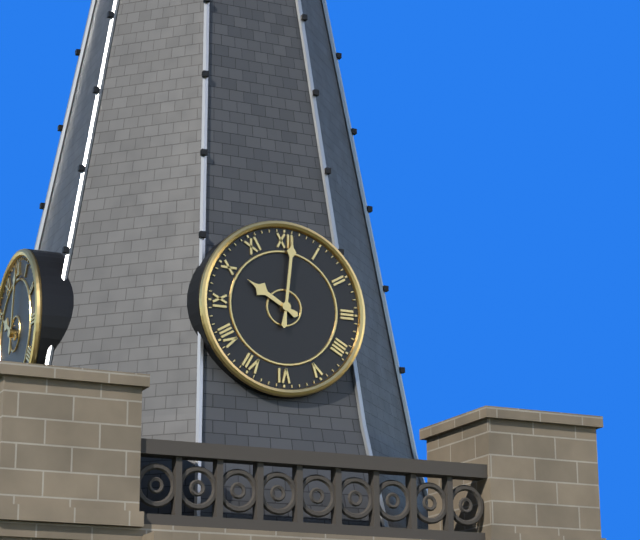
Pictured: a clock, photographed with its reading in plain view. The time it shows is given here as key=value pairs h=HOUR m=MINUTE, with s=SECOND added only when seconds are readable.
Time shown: h=10 m=1
